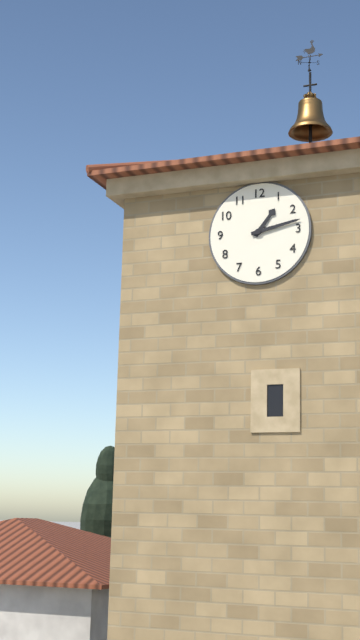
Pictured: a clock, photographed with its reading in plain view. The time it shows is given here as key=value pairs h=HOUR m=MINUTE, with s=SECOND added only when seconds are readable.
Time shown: h=1 m=13
